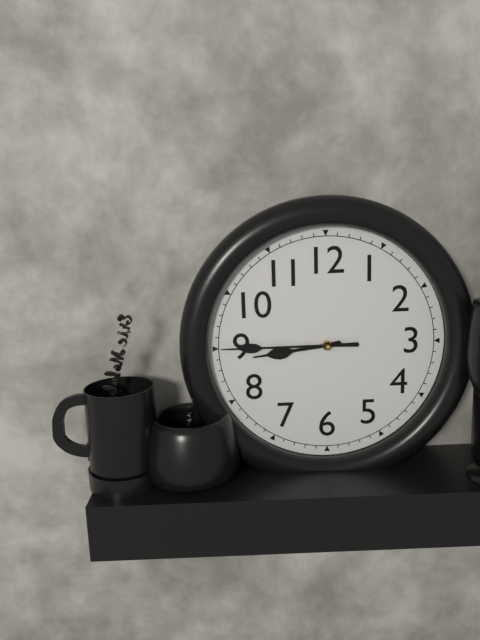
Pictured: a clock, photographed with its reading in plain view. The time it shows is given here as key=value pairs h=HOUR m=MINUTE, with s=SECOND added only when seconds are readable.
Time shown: h=8 m=45
